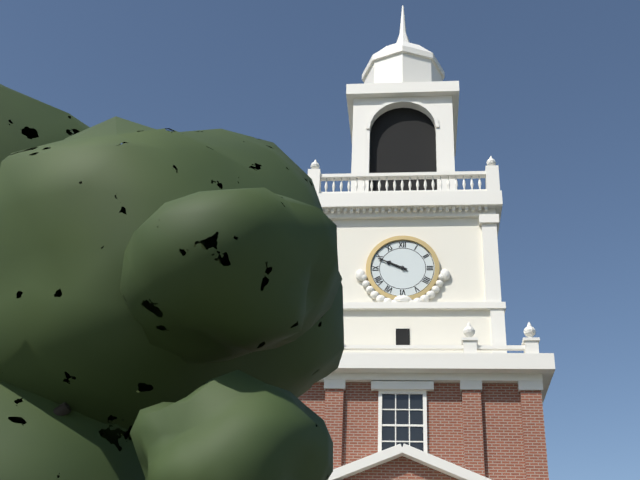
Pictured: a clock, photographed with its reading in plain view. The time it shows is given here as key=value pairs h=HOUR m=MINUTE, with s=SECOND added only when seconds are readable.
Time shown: h=9 m=49
